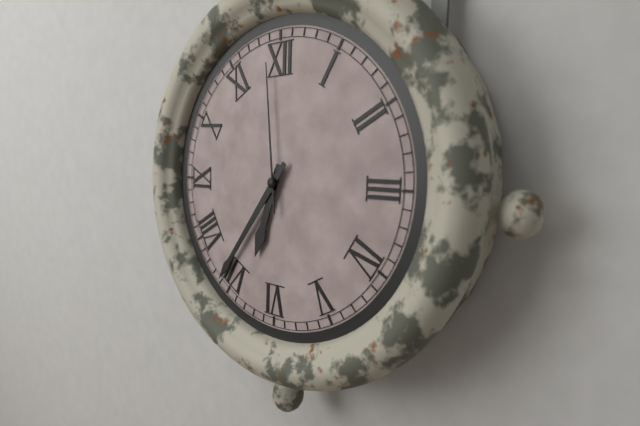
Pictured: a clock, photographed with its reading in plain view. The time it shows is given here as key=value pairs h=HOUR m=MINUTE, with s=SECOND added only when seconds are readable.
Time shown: h=6 m=36 s=59
